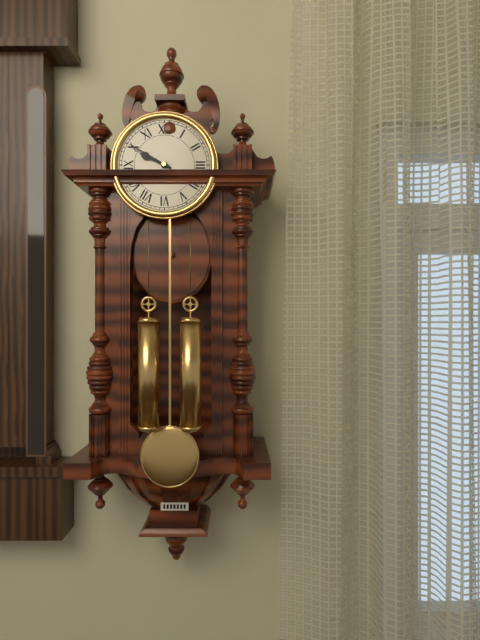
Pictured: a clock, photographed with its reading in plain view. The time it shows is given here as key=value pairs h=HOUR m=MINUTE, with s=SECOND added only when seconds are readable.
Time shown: h=9 m=50
